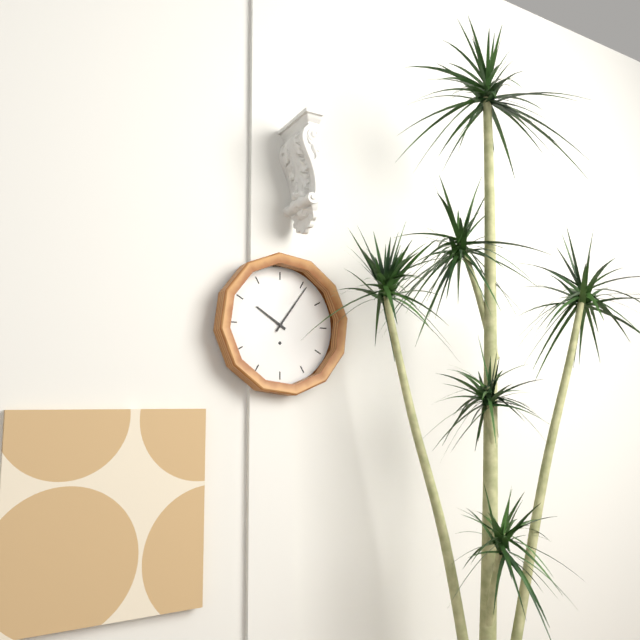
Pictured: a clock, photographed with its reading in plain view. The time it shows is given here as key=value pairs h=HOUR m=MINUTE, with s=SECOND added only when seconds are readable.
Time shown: h=10 m=6
